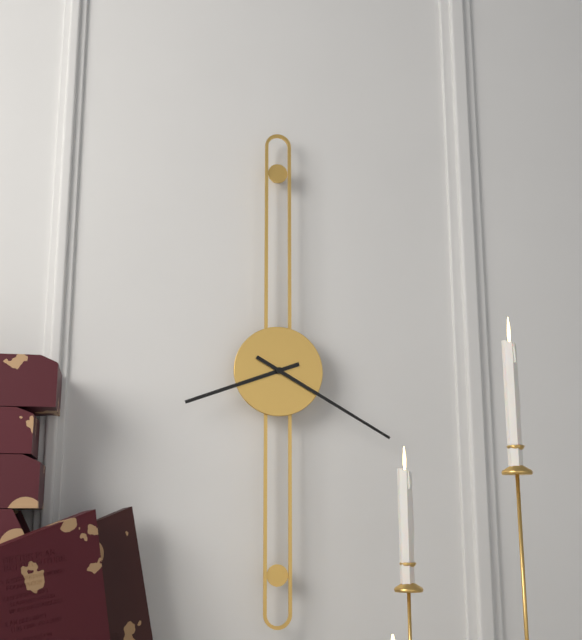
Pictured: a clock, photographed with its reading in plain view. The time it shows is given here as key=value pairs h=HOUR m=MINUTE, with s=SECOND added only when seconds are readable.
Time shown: h=8 m=20
